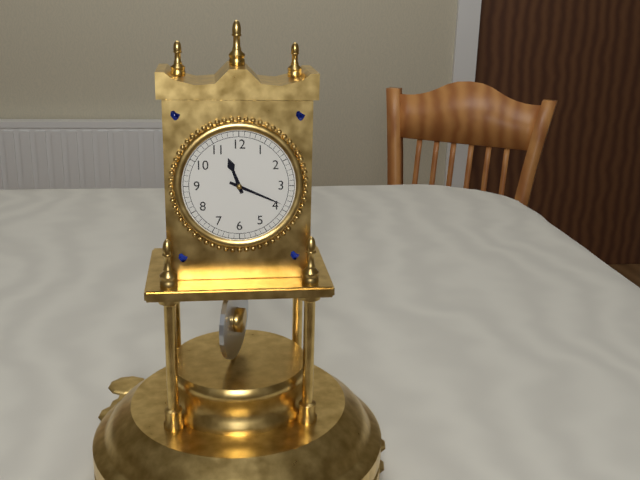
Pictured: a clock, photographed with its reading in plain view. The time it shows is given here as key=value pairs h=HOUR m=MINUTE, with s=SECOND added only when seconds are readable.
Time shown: h=11 m=19
